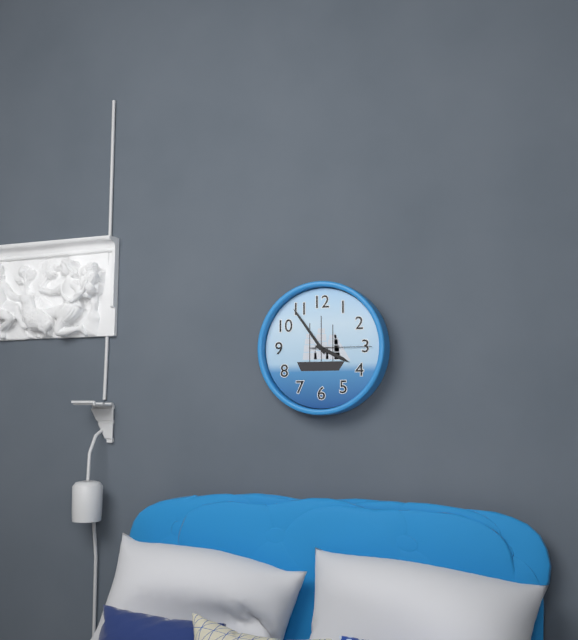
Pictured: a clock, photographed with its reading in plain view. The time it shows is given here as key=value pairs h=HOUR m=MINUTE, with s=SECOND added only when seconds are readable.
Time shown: h=3 m=54 s=15
